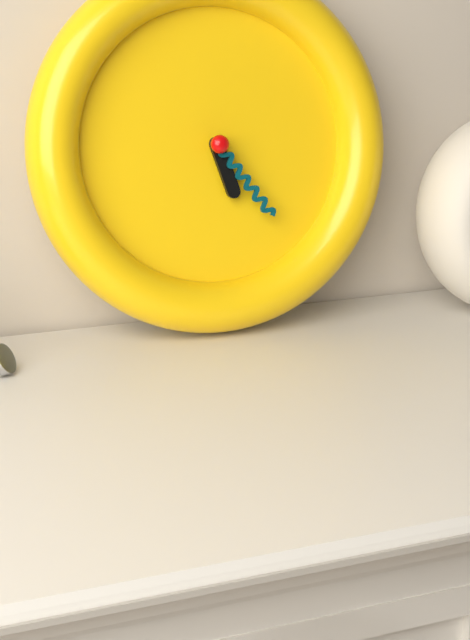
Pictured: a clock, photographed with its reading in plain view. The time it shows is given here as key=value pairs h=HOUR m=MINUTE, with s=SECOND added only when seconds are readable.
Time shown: h=5 m=24
